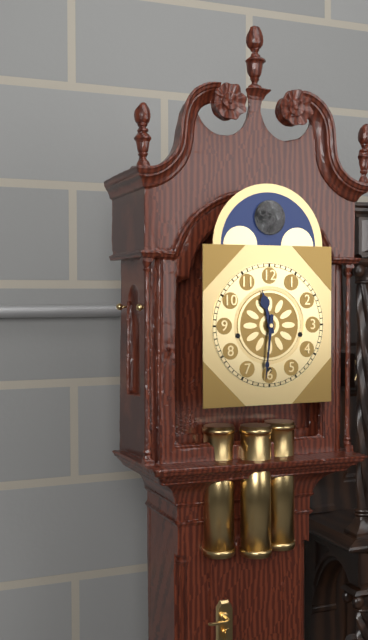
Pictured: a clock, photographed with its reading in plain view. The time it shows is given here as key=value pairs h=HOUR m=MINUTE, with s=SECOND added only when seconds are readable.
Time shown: h=11 m=31
